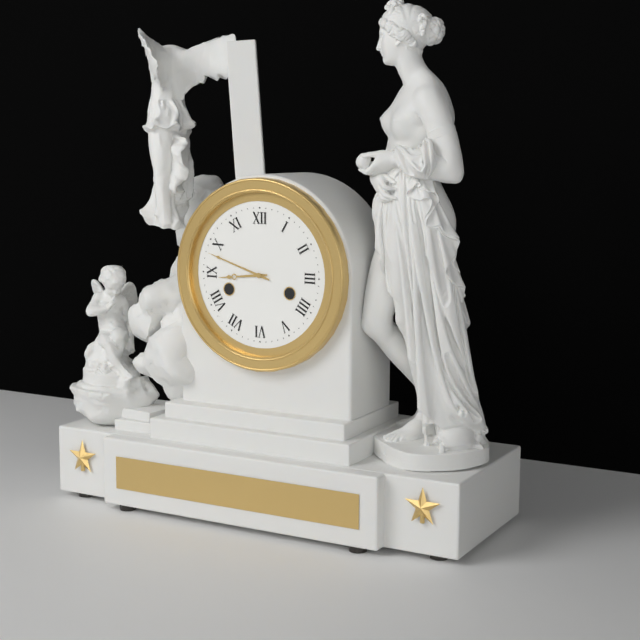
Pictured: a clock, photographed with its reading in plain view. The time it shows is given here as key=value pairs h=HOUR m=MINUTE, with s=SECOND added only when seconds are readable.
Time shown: h=8 m=48
